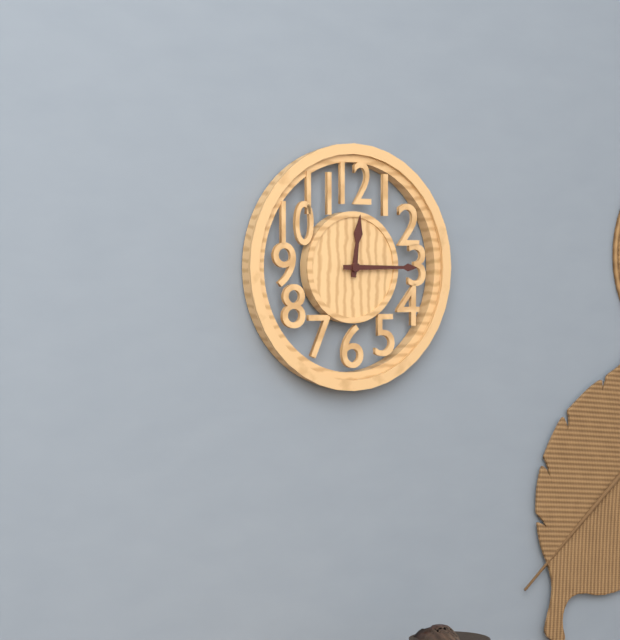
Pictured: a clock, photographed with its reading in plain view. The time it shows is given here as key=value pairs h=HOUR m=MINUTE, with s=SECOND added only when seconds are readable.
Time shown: h=12 m=15
